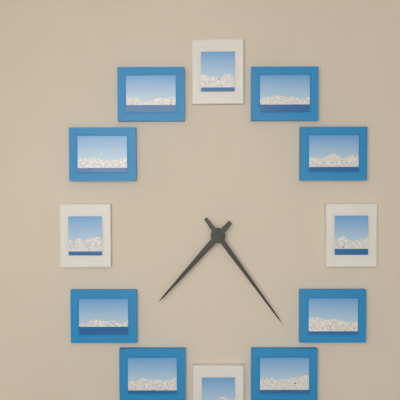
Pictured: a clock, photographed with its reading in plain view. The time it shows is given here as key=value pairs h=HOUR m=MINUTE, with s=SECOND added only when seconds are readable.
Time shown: h=7 m=24
